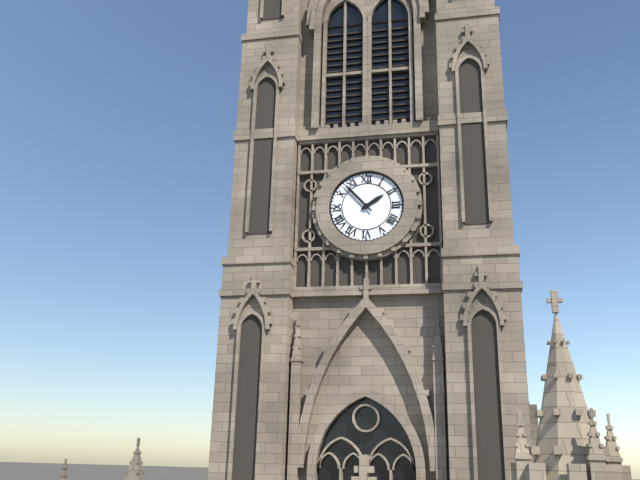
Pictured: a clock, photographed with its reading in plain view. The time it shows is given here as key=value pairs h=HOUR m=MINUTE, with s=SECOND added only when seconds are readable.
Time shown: h=1 m=53
